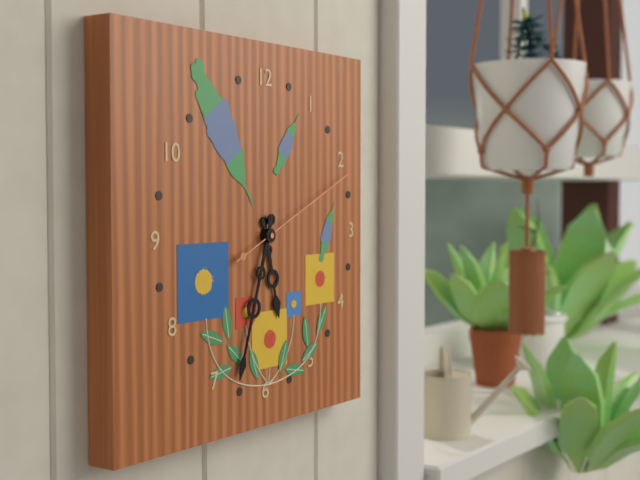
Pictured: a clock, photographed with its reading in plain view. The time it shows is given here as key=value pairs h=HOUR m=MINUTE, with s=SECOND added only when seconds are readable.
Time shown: h=5 m=33 s=11
